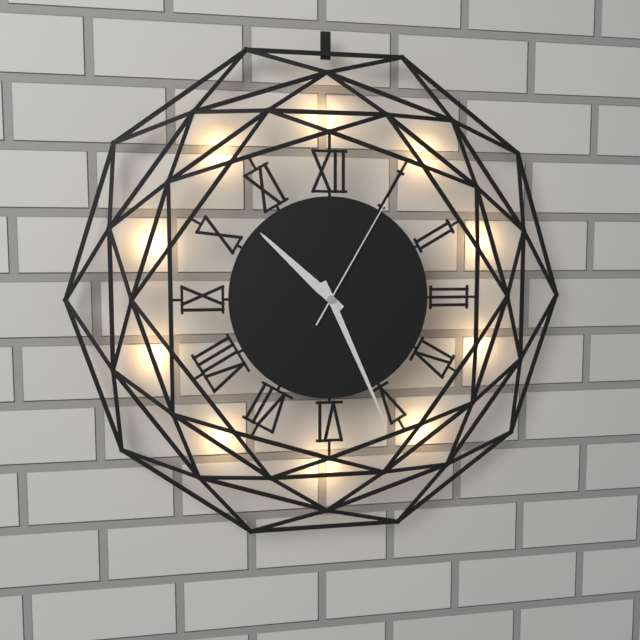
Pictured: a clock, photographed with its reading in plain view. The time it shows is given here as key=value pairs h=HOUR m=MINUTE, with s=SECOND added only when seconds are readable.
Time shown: h=10 m=26 s=5
